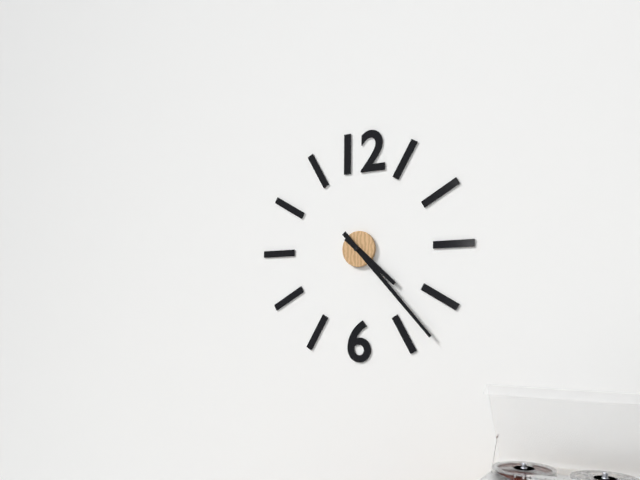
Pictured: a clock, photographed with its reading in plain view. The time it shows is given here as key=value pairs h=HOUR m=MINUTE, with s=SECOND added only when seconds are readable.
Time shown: h=4 m=23
